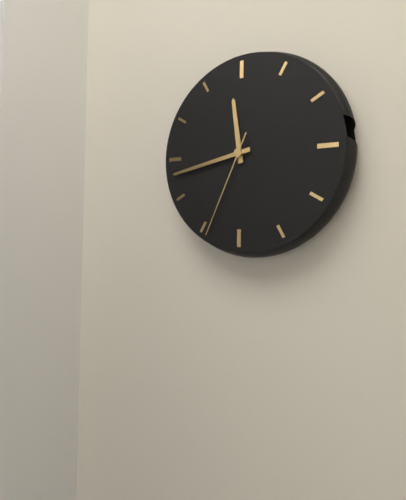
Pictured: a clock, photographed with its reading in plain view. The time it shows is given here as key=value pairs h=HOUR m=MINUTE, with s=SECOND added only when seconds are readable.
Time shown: h=11 m=43 s=34
